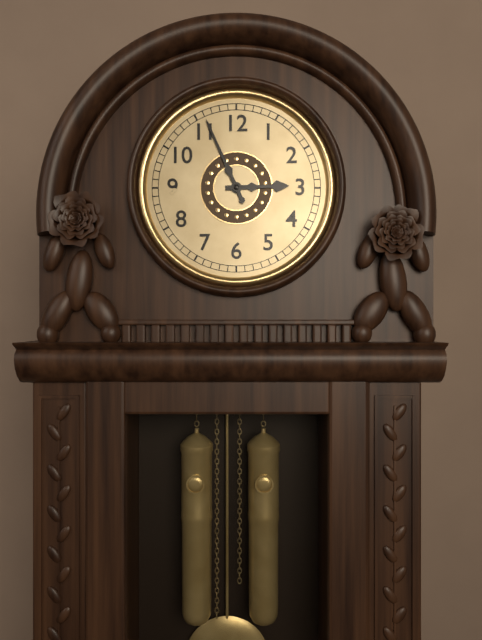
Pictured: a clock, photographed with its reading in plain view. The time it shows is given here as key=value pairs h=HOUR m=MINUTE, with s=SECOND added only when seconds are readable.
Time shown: h=2 m=56
